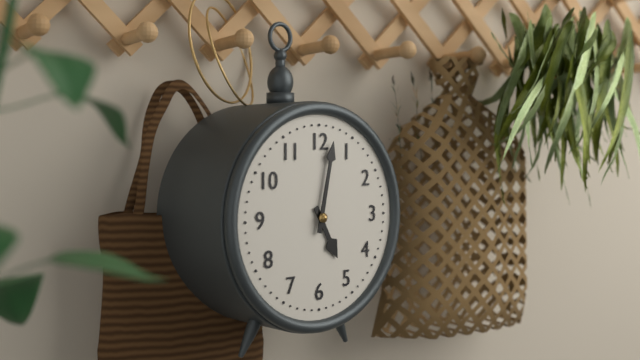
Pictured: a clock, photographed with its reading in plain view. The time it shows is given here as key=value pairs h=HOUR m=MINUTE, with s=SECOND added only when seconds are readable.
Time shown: h=5 m=2
